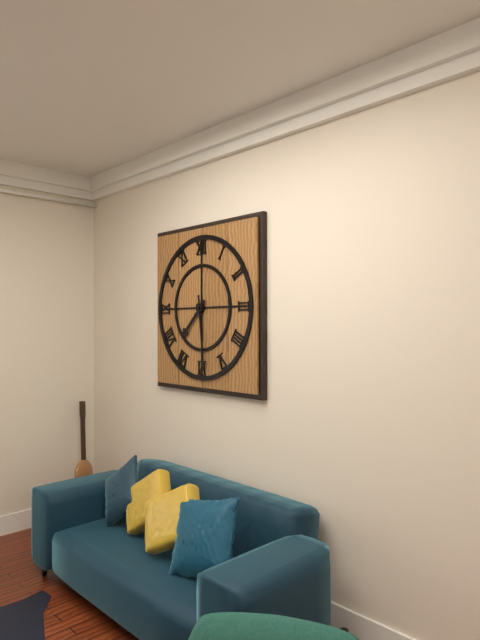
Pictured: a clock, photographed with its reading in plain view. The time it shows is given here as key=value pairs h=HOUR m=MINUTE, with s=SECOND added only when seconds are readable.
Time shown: h=7 m=29
